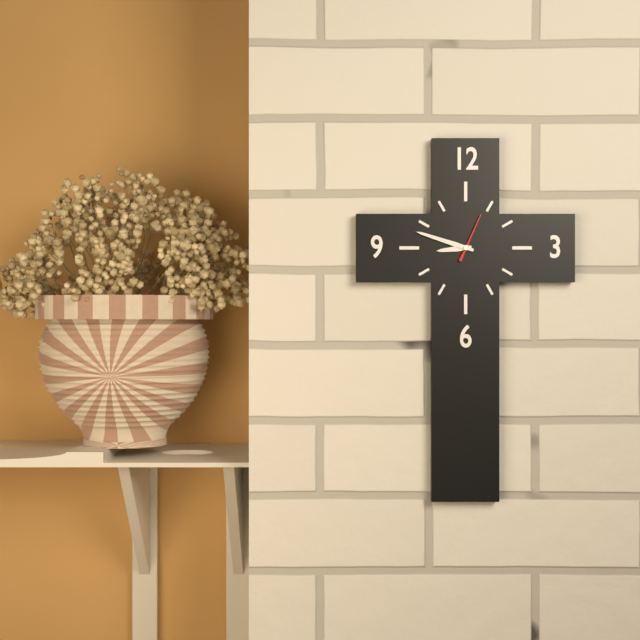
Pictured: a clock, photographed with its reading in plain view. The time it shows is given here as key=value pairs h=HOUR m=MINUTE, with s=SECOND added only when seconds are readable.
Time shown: h=8 m=48
